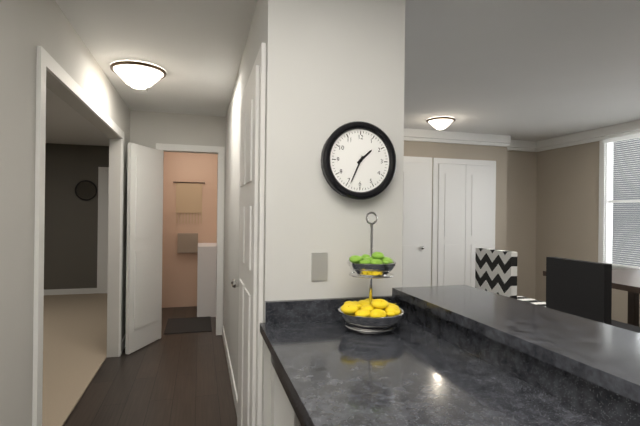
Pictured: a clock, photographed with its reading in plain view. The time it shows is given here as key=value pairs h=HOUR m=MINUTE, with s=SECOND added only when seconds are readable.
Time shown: h=1 m=34
